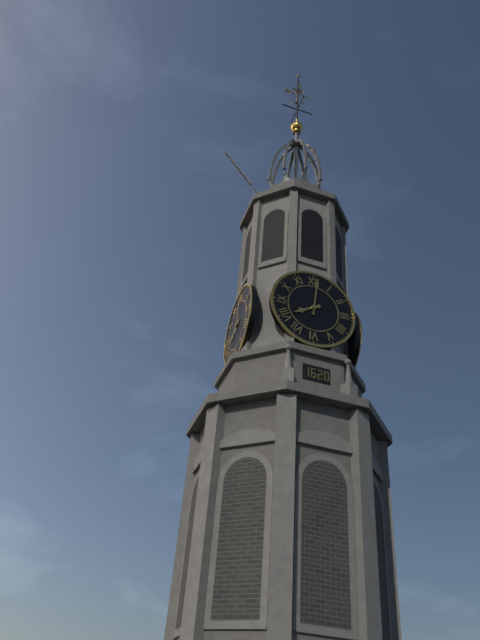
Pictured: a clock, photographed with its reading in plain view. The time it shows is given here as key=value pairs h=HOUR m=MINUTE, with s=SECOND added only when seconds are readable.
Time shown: h=8 m=1
